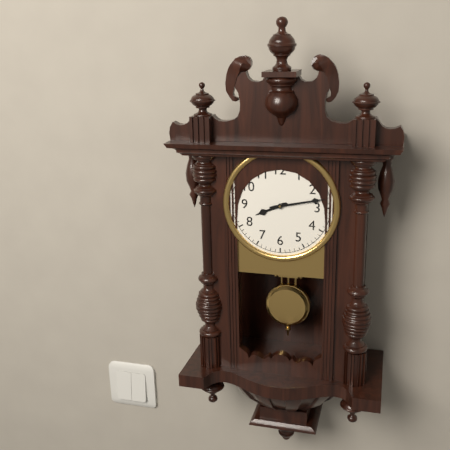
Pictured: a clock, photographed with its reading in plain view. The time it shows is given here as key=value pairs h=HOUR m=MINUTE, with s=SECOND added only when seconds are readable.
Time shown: h=8 m=13
